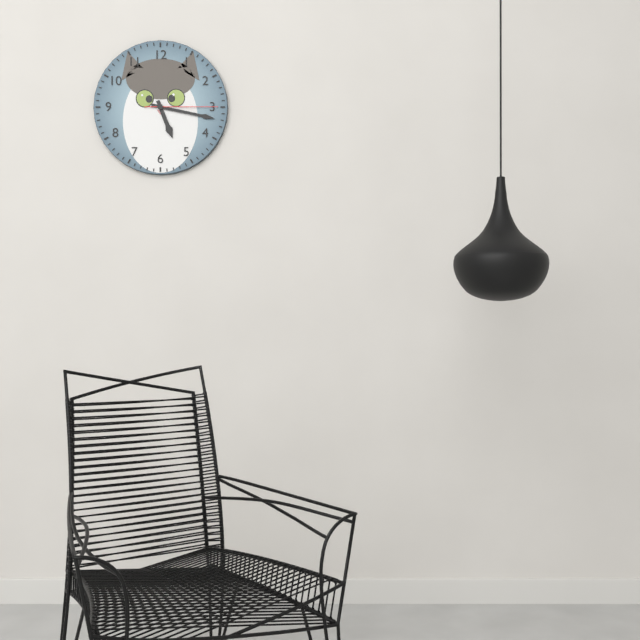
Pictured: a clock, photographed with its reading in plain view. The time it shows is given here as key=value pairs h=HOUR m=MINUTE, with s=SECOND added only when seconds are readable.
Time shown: h=5 m=17 s=15
